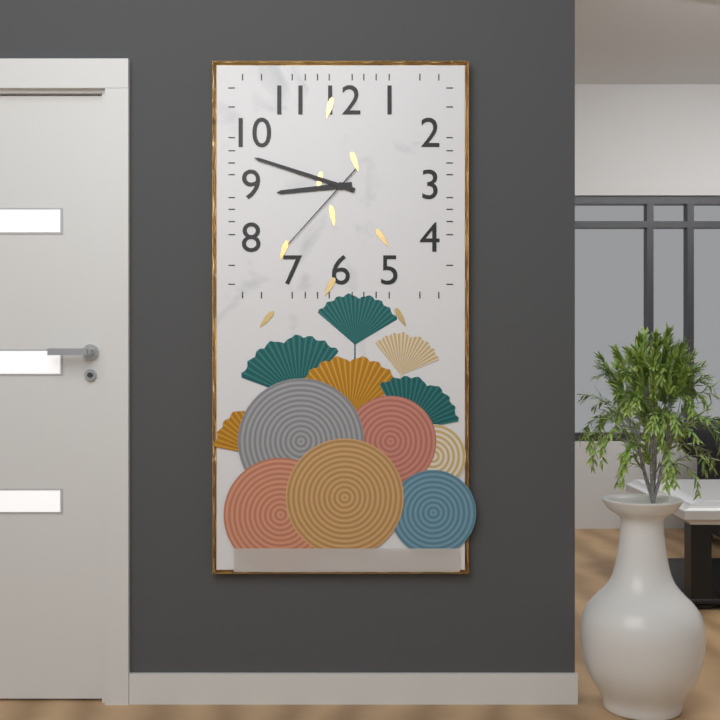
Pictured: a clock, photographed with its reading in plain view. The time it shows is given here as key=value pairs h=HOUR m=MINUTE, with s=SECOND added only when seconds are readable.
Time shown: h=8 m=48 s=37
